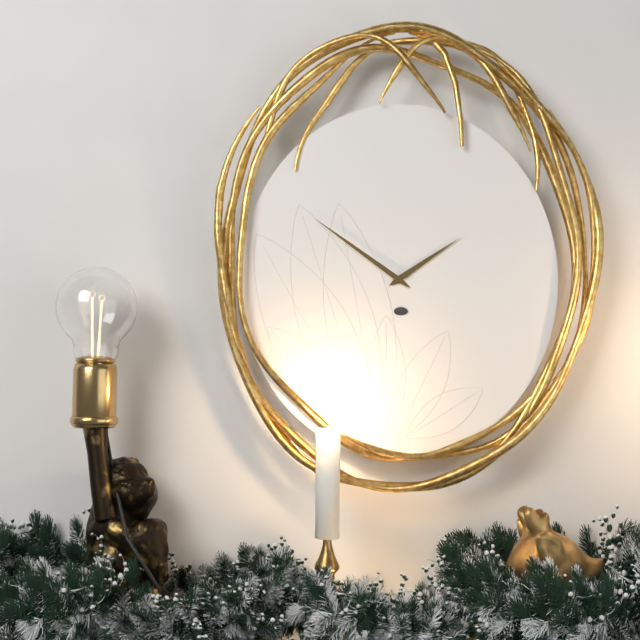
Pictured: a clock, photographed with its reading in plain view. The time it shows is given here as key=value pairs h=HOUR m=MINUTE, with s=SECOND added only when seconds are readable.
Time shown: h=1 m=51
